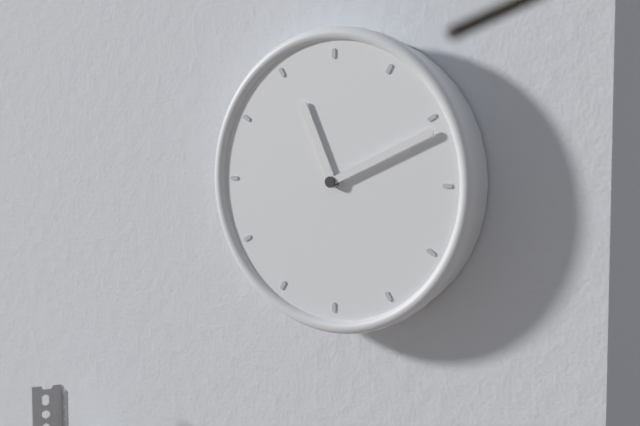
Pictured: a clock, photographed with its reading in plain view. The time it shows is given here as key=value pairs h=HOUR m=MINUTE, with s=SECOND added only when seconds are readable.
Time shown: h=11 m=11
